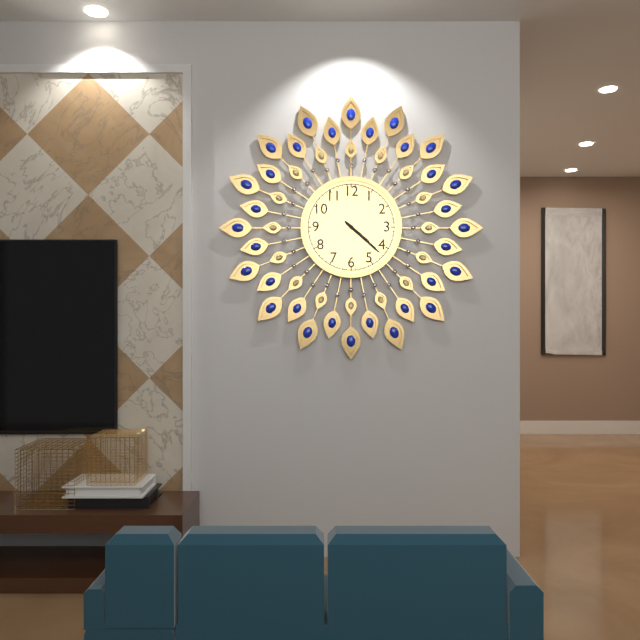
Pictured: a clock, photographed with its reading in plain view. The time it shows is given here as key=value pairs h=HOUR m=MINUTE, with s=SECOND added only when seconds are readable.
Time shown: h=4 m=22
